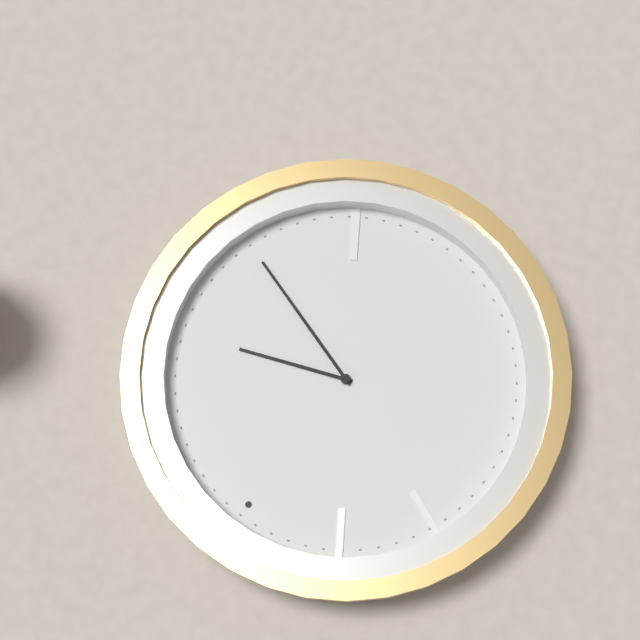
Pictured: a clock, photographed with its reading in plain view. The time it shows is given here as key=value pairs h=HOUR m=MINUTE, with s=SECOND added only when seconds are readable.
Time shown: h=2 m=18
